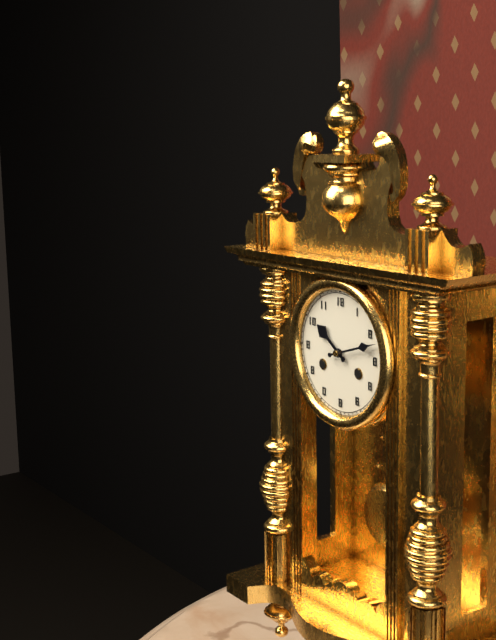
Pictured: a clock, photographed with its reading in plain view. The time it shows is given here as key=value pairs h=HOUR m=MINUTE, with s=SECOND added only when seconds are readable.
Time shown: h=10 m=12
